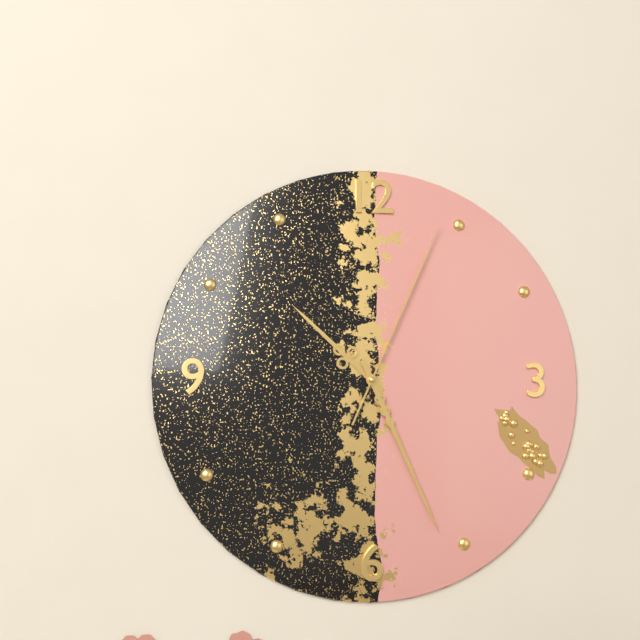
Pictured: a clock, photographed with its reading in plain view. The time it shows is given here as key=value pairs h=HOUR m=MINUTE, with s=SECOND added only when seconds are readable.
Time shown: h=10 m=26 s=4
